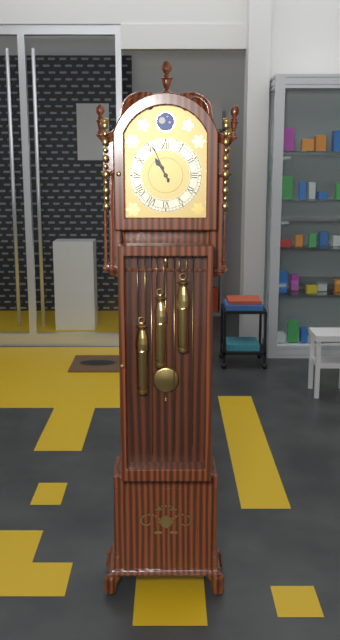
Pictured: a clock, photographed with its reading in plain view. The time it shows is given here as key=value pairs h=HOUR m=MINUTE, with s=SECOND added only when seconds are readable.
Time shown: h=10 m=56
